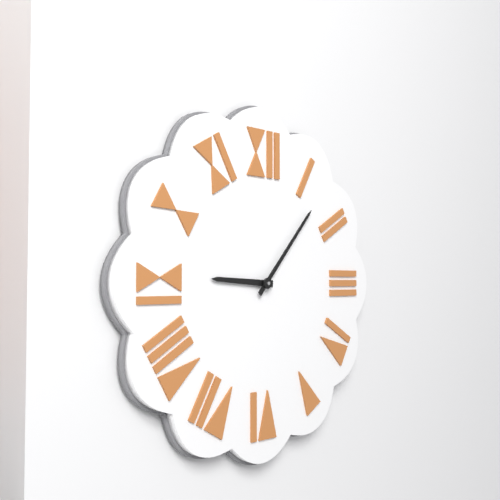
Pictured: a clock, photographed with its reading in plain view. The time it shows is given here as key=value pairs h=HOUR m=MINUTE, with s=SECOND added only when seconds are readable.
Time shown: h=9 m=7
